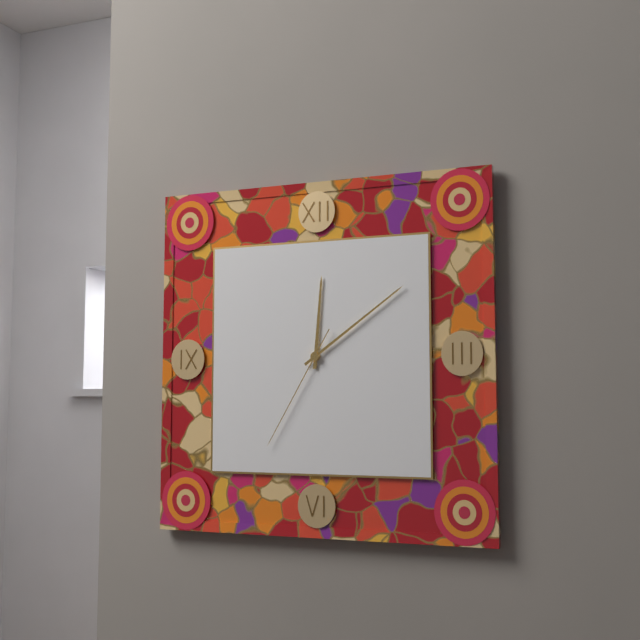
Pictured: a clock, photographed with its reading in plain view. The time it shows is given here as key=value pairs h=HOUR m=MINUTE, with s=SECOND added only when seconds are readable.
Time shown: h=12 m=9 s=35
